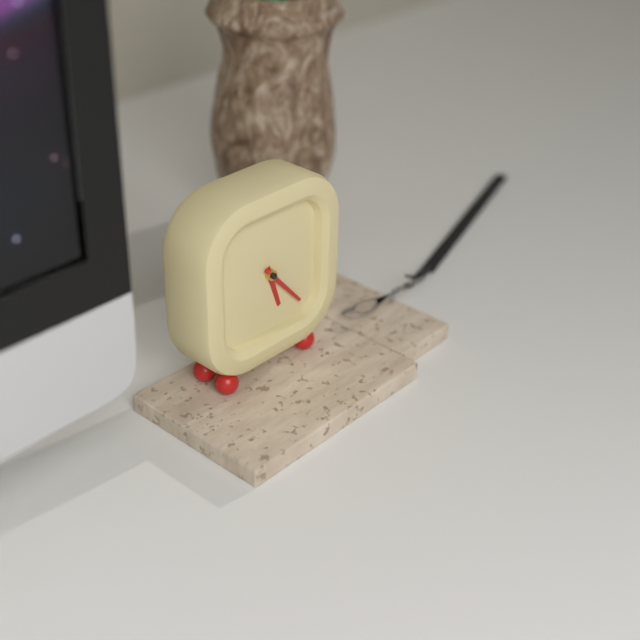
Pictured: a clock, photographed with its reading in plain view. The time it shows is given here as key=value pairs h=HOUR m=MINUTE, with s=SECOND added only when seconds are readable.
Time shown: h=5 m=23
